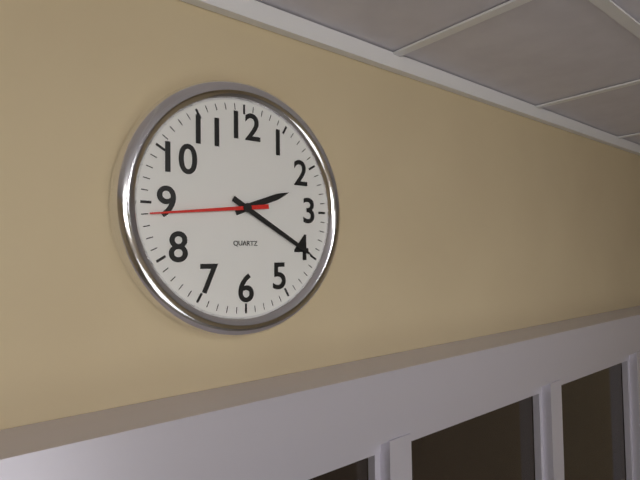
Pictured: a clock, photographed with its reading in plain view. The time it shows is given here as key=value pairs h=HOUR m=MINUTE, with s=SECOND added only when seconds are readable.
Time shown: h=2 m=20 s=44
